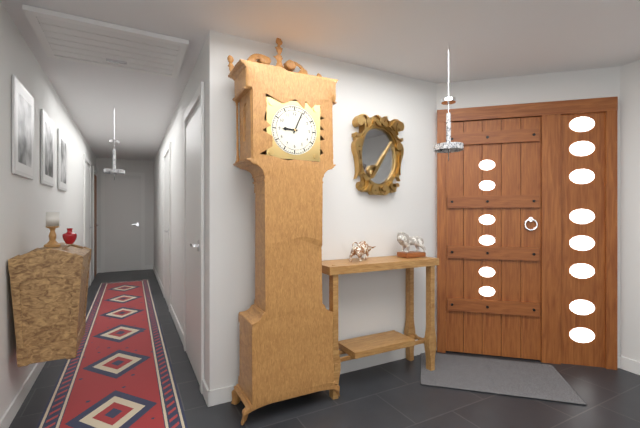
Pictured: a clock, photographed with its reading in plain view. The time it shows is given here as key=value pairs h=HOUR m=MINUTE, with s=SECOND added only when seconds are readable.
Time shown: h=9 m=4
